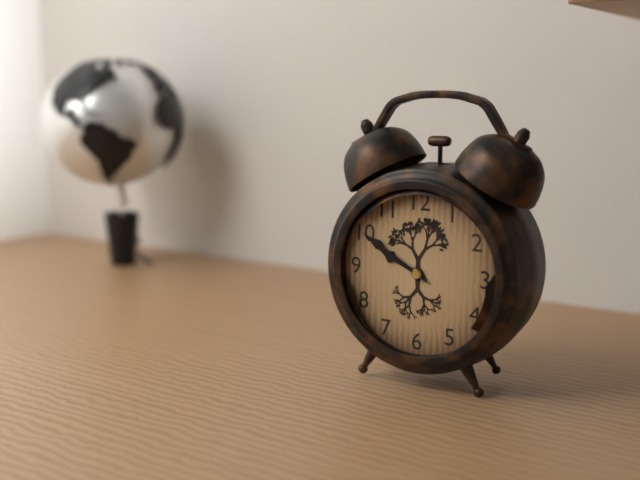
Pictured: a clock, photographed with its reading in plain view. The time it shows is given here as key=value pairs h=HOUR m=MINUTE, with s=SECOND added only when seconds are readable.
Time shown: h=9 m=50
